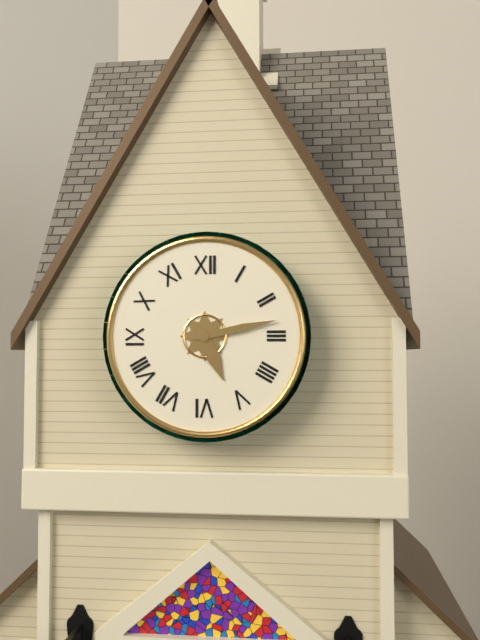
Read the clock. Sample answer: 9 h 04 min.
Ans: 5 h 13 min
